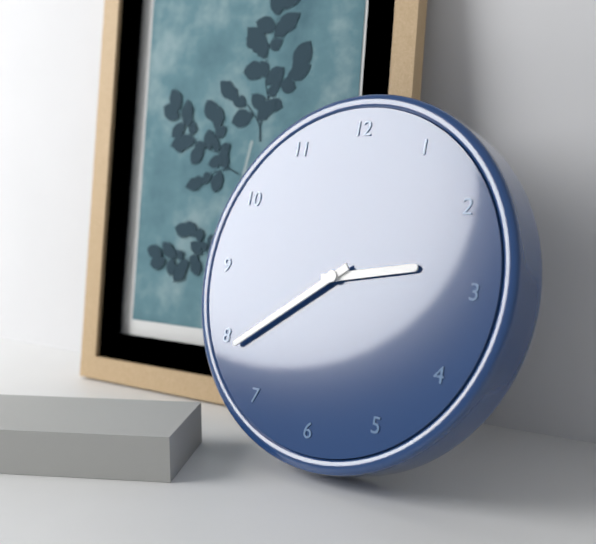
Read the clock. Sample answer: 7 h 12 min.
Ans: 2 h 39 min
